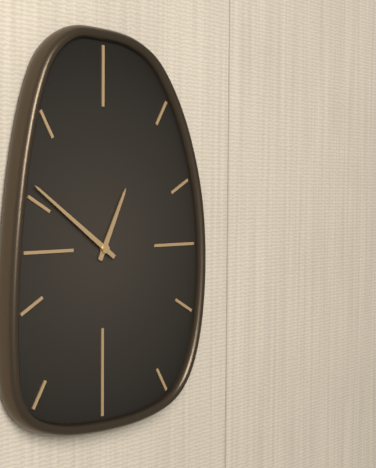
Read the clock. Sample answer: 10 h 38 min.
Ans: 12 h 51 min
